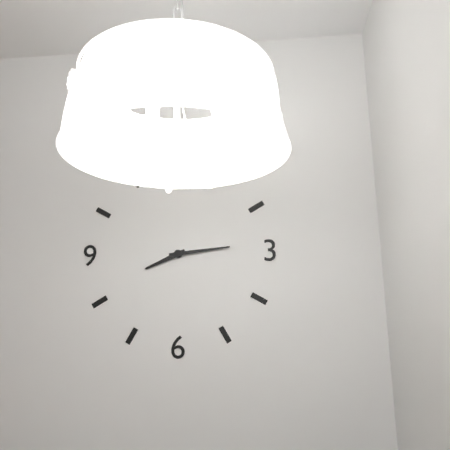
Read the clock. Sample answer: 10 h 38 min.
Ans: 8 h 14 min
